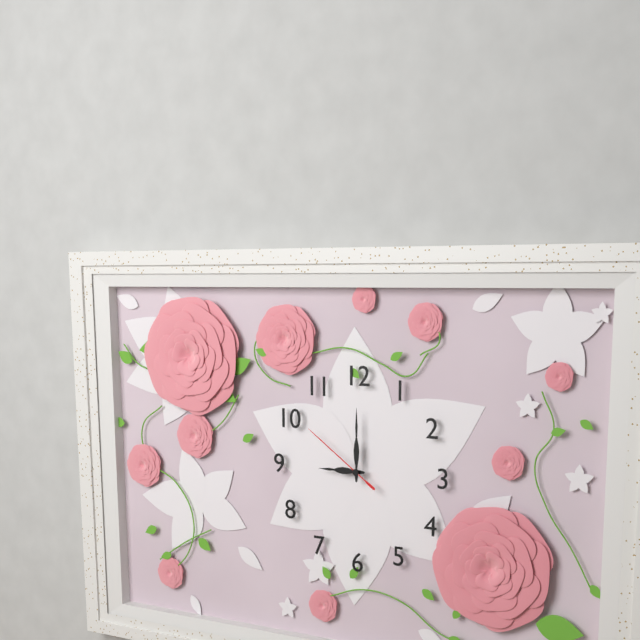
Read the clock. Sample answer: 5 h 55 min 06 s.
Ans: 9 h 00 min 51 s
